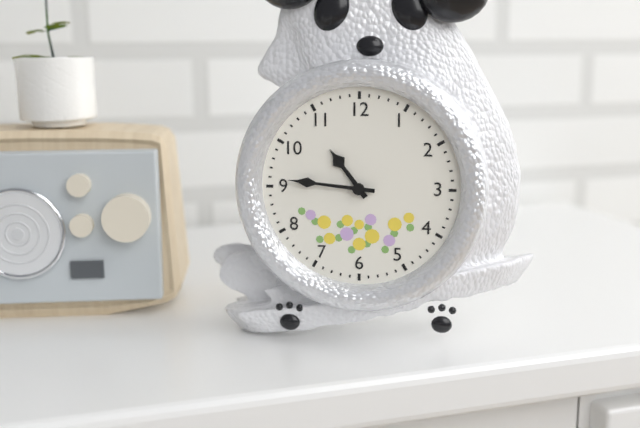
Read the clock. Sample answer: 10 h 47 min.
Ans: 10 h 46 min
